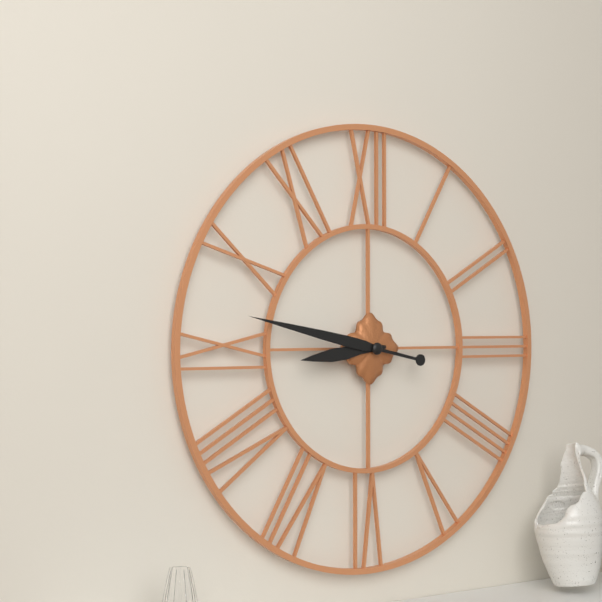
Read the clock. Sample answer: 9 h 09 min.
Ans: 8 h 47 min
